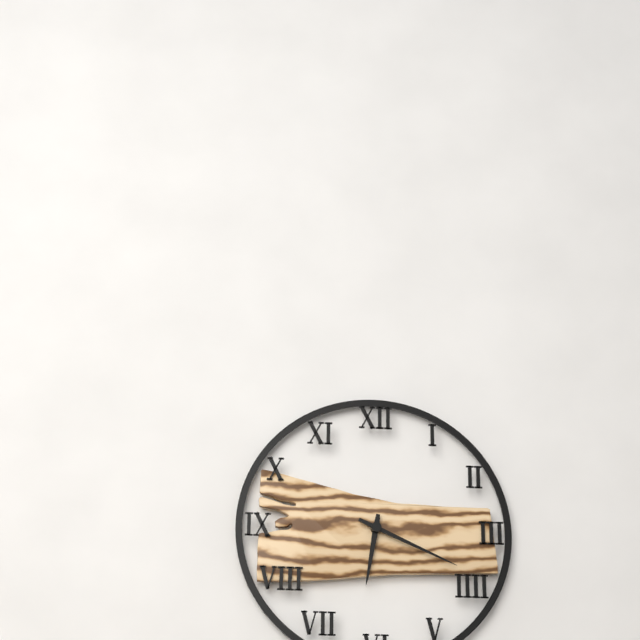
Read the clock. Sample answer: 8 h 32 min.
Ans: 6 h 19 min
